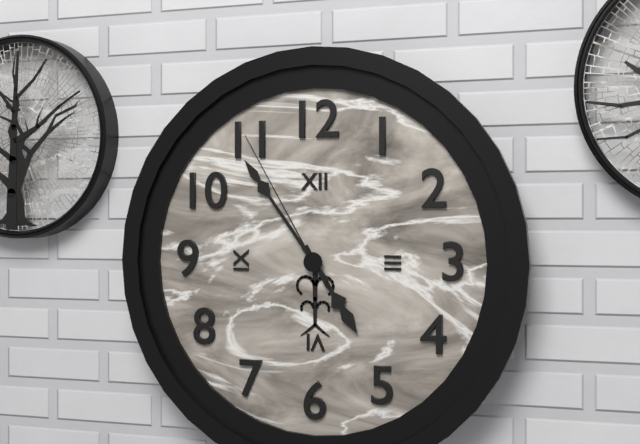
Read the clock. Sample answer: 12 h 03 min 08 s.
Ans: 4 h 54 min 55 s
